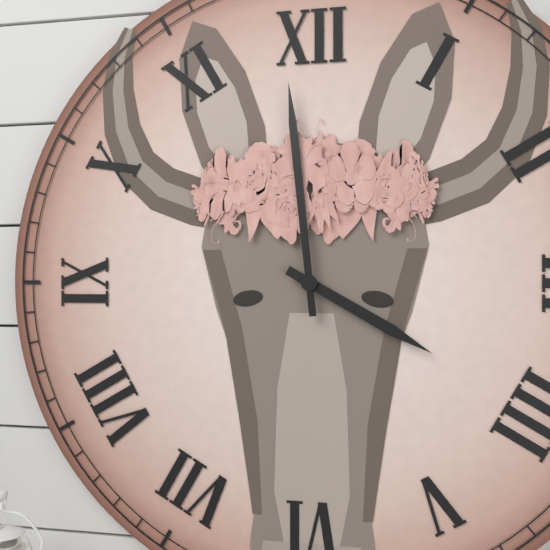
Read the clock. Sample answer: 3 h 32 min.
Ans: 3 h 59 min
